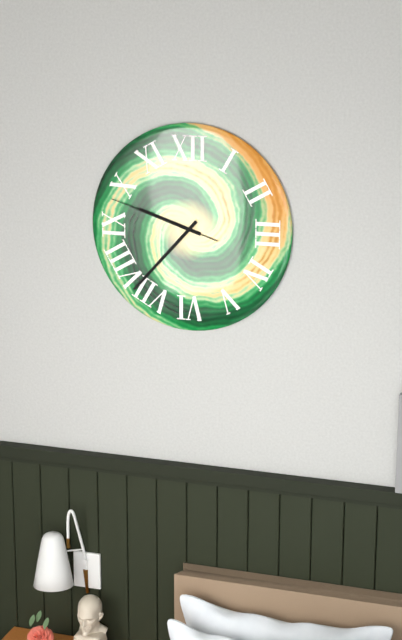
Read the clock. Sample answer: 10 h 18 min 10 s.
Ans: 9 h 37 min 48 s
